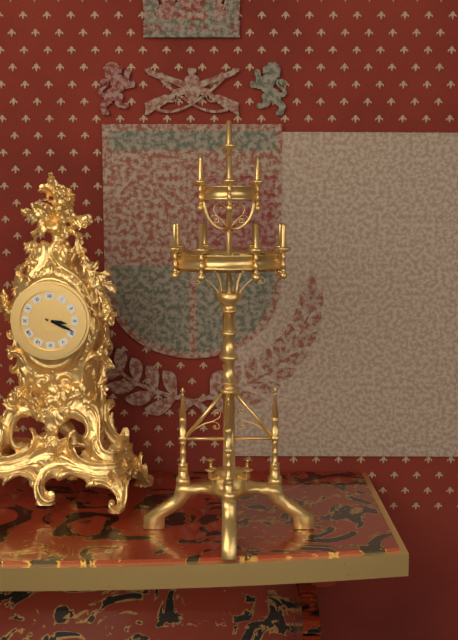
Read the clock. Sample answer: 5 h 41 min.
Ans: 3 h 19 min
